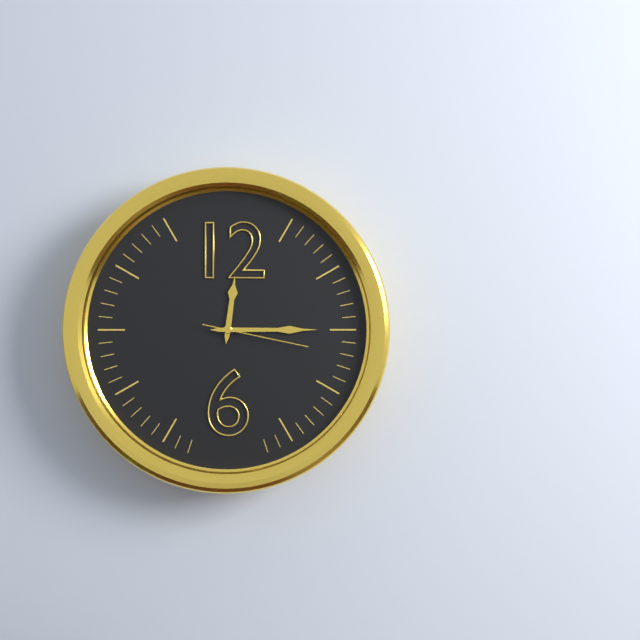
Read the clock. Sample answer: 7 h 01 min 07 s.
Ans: 12 h 15 min 17 s
